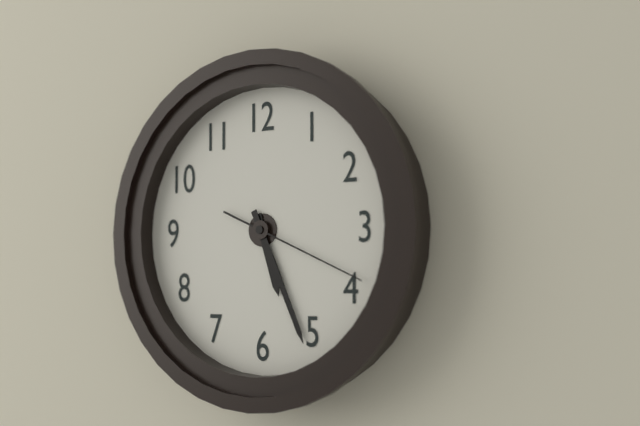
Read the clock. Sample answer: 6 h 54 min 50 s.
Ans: 5 h 26 min 19 s
